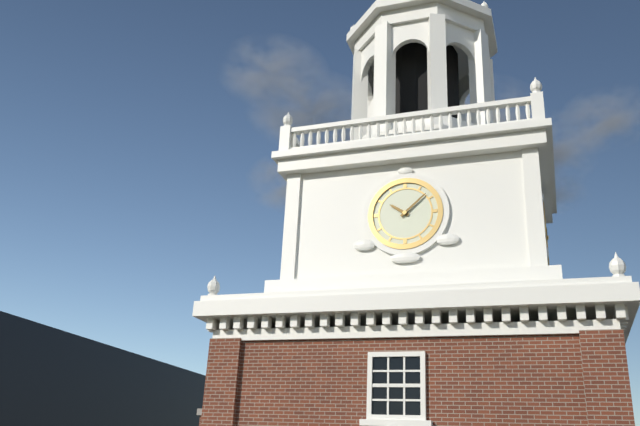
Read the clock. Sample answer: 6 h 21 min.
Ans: 10 h 08 min
